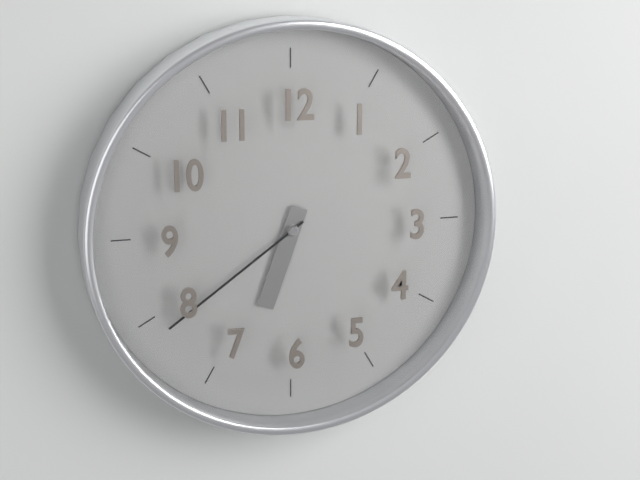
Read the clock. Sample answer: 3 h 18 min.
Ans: 6 h 39 min
